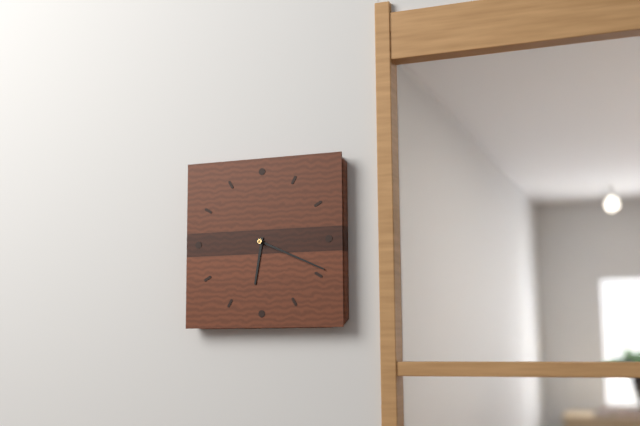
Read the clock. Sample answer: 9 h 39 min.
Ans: 6 h 19 min
